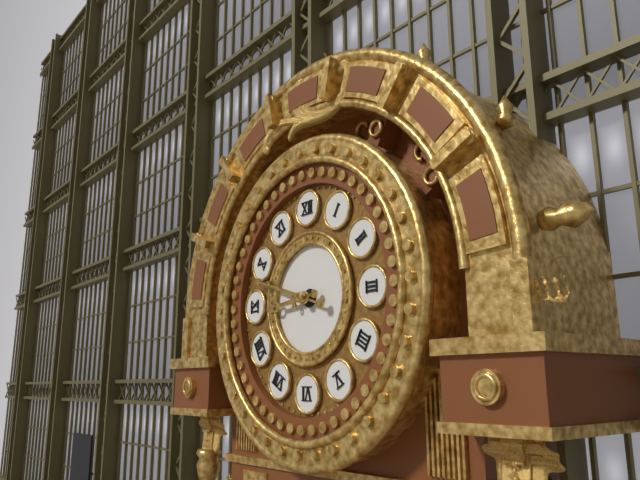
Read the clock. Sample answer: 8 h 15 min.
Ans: 8 h 48 min
